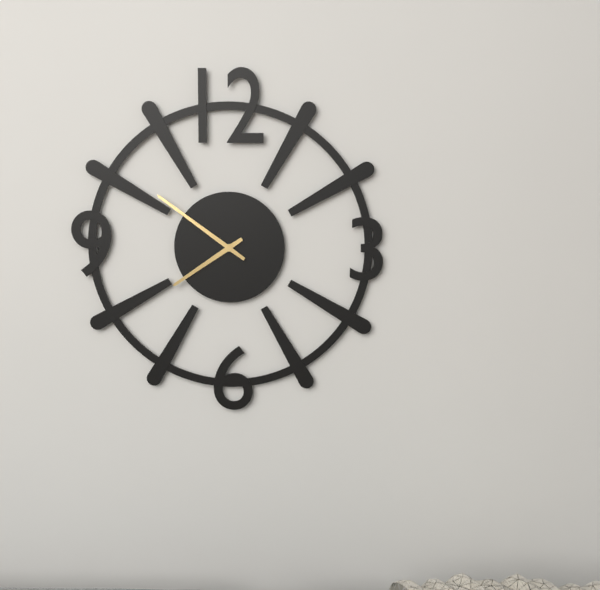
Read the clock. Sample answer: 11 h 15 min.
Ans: 7 h 51 min
